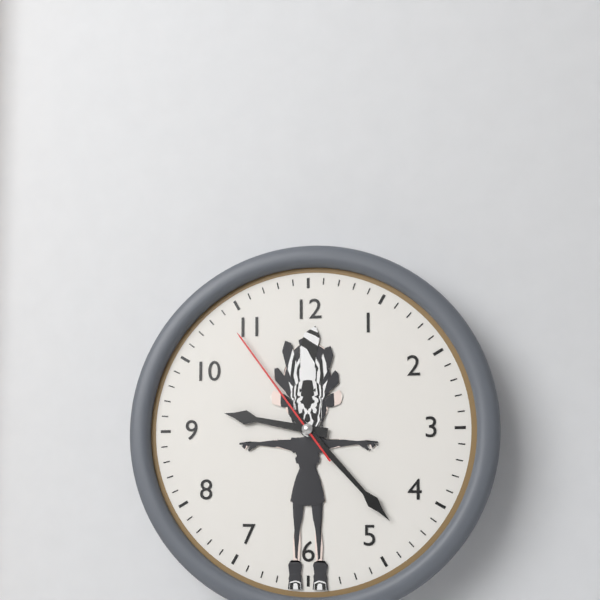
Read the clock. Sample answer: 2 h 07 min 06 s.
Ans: 9 h 23 min 54 s
